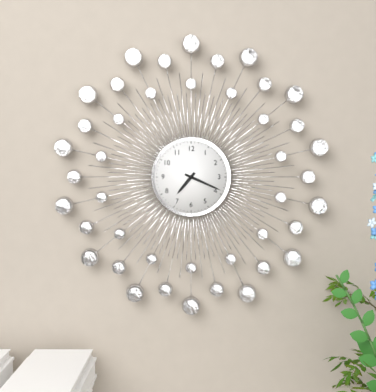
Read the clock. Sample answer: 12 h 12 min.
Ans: 7 h 19 min
